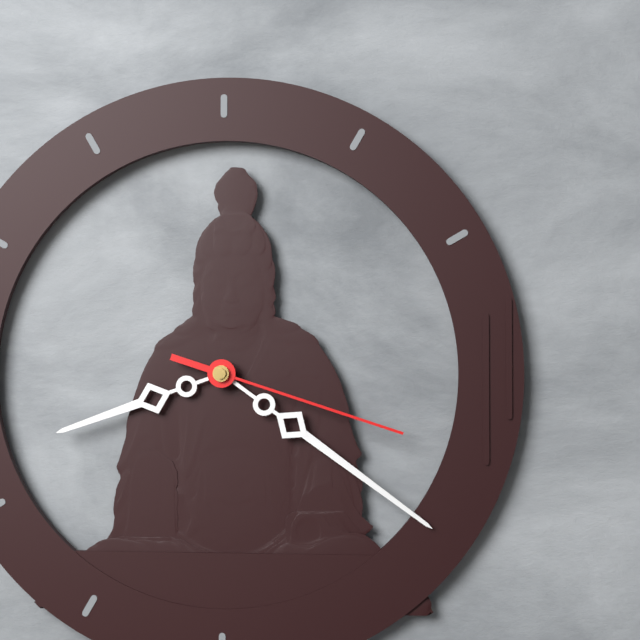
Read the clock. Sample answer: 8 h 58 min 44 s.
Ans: 8 h 21 min 18 s
